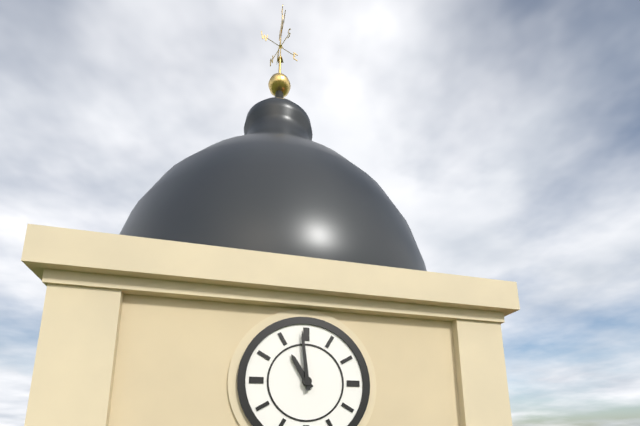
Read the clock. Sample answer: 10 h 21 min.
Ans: 10 h 59 min
